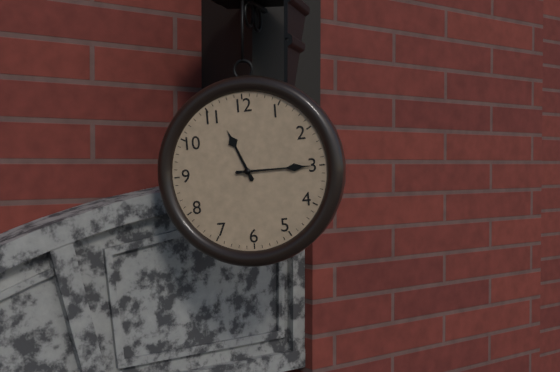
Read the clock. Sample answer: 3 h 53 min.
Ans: 11 h 15 min
